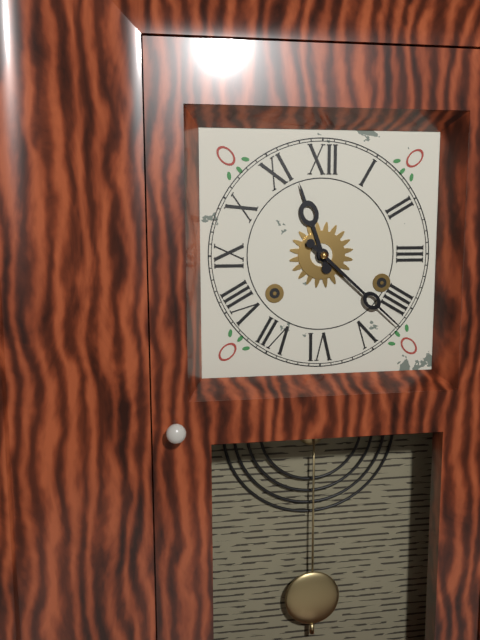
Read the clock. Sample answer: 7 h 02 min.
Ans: 11 h 22 min
